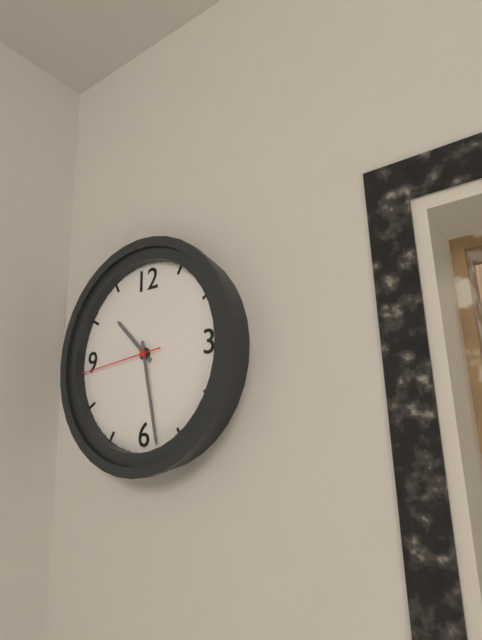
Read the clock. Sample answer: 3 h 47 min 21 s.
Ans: 10 h 28 min 44 s
